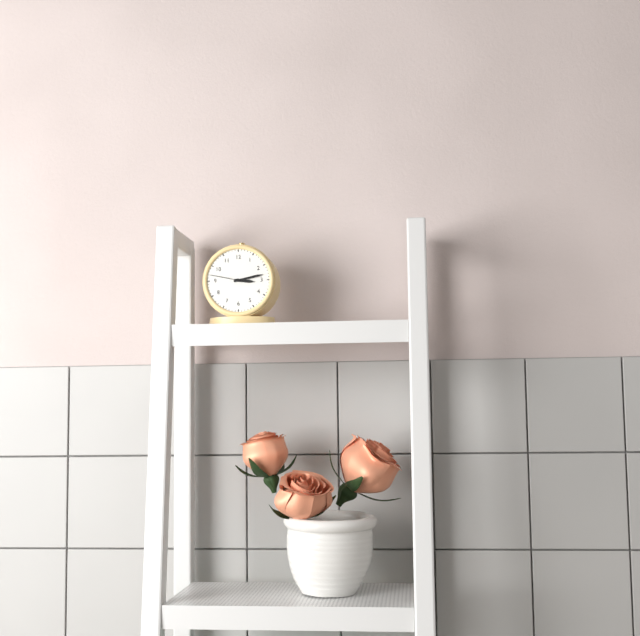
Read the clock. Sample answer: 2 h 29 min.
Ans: 3 h 13 min
